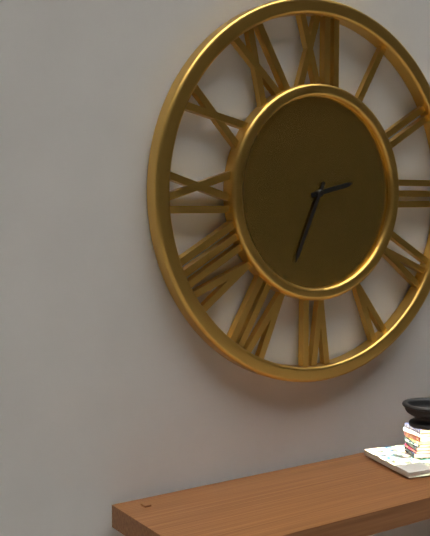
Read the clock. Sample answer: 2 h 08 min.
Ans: 2 h 34 min
